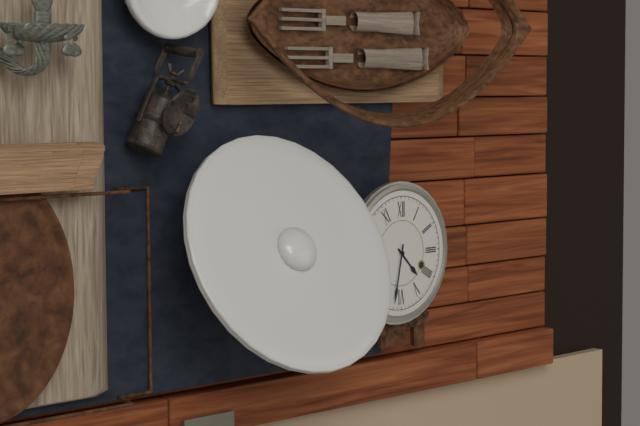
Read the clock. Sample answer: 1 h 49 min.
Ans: 4 h 32 min
